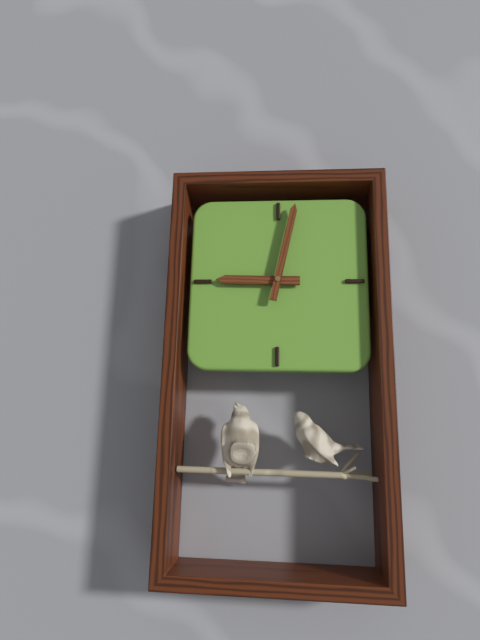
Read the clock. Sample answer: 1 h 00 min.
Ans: 9 h 02 min
